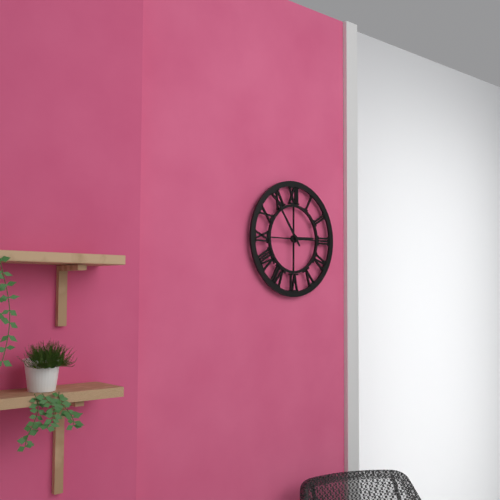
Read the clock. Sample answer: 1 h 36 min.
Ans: 2 h 54 min
